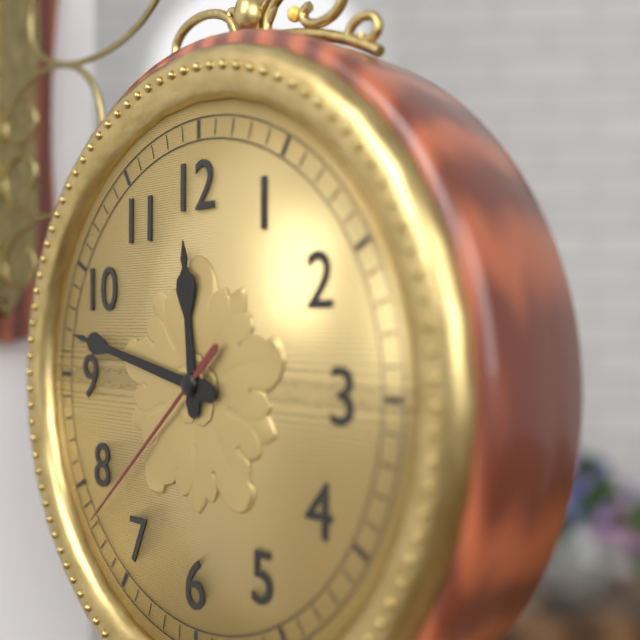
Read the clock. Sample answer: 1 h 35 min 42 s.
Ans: 11 h 47 min 38 s
